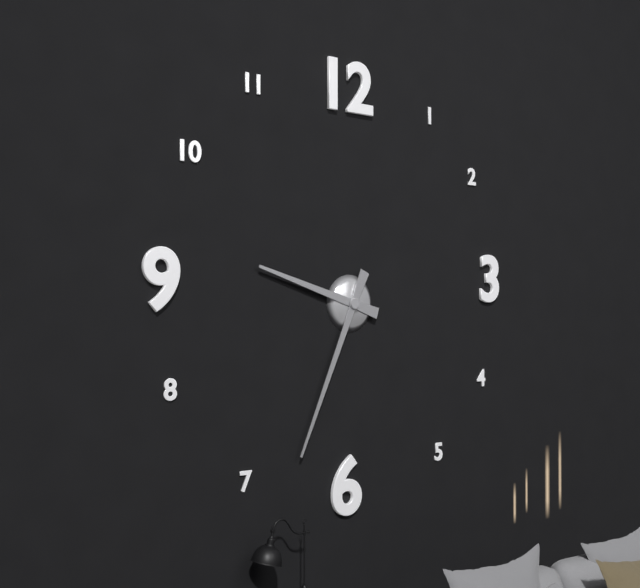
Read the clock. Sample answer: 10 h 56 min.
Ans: 9 h 34 min
